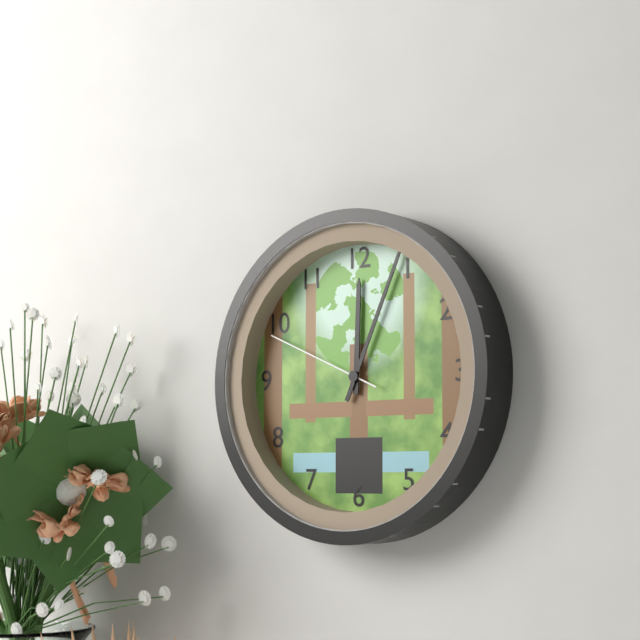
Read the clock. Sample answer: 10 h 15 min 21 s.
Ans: 12 h 04 min 49 s
